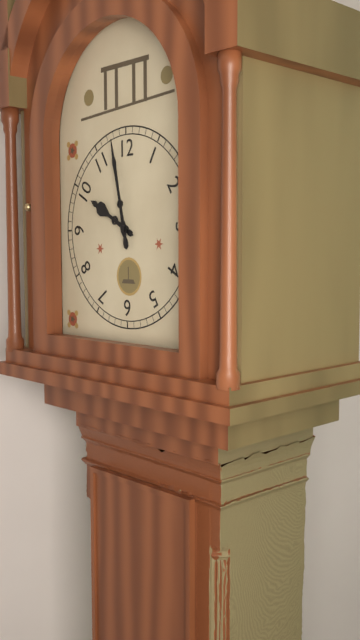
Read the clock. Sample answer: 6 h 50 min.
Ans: 9 h 58 min
